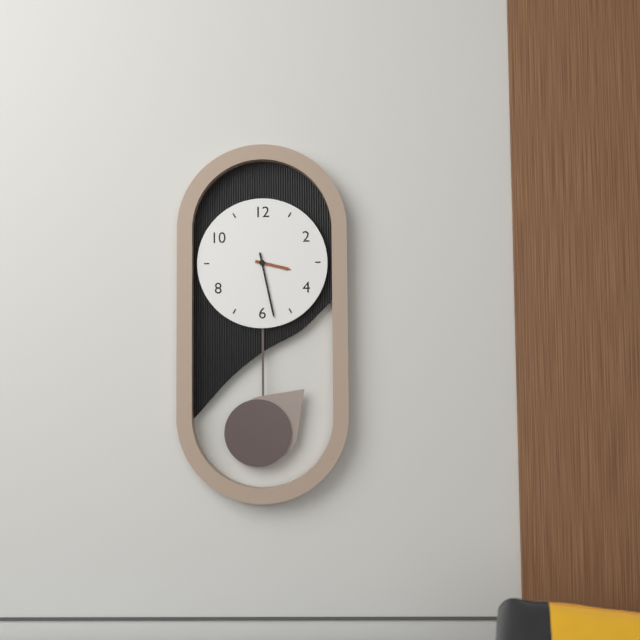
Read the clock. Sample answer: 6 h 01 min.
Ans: 3 h 28 min
